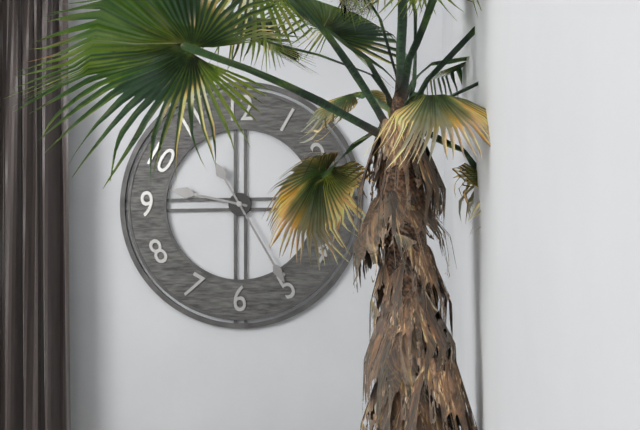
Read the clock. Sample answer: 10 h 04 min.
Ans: 9 h 25 min
